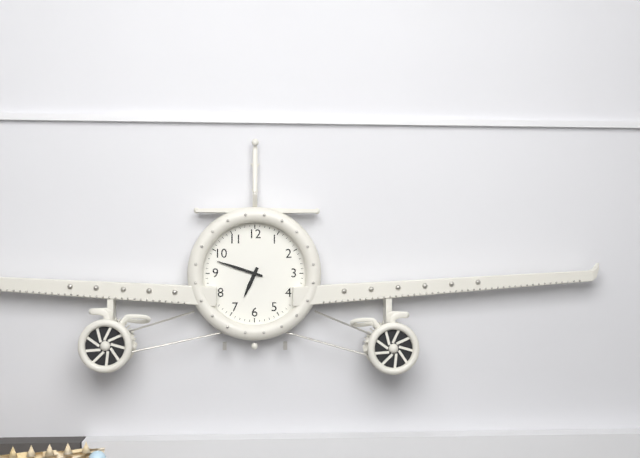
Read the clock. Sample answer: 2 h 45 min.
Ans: 6 h 48 min
